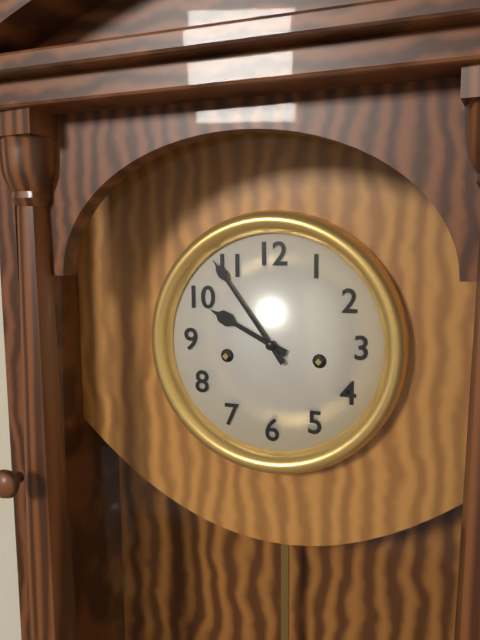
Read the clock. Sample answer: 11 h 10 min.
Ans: 9 h 54 min
